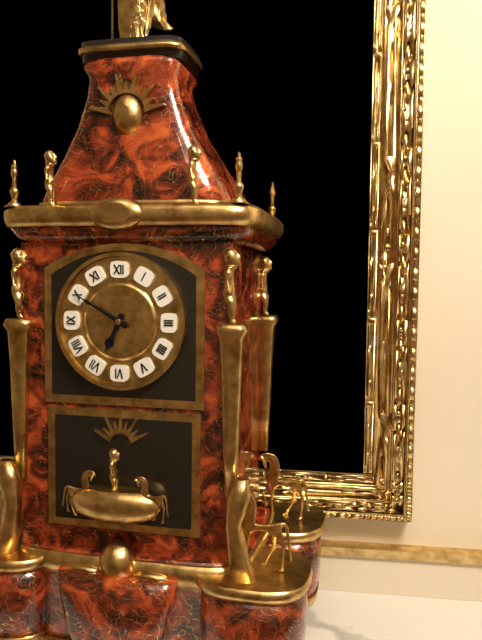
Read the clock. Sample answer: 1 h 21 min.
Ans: 6 h 50 min
